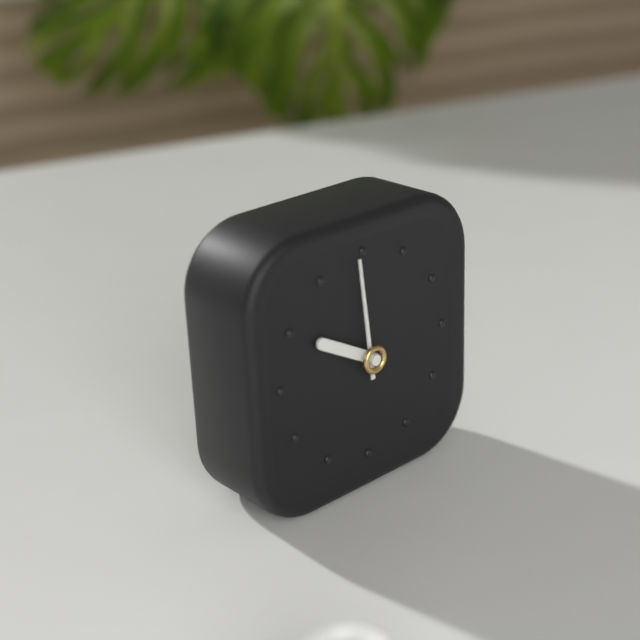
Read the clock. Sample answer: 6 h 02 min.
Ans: 9 h 59 min
